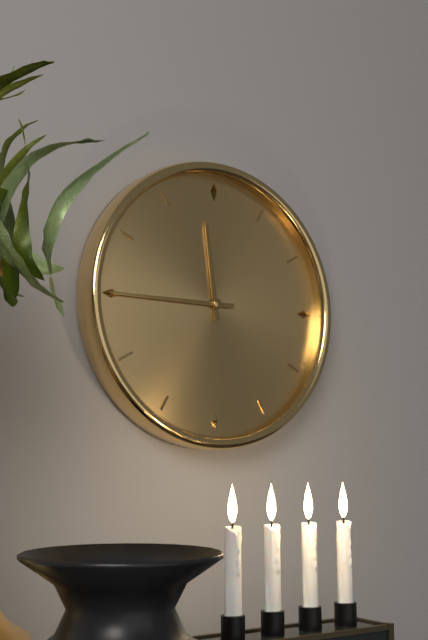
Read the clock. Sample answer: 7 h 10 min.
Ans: 11 h 45 min
